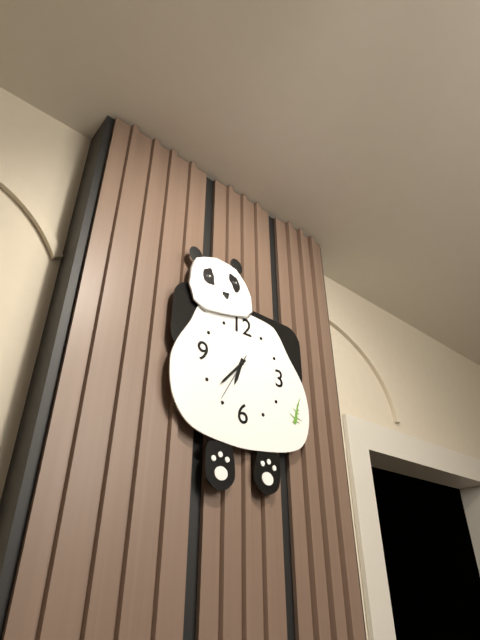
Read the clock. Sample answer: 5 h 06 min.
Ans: 6 h 37 min
